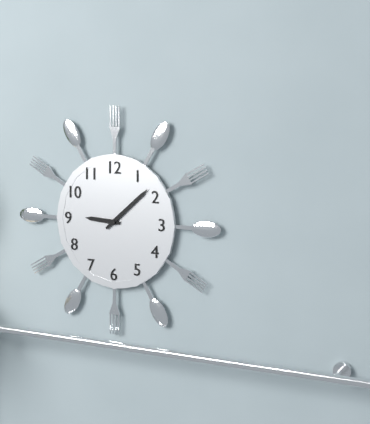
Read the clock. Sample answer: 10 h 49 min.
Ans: 9 h 08 min
